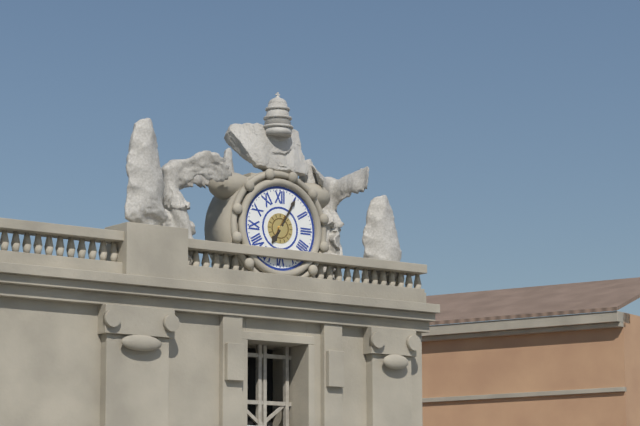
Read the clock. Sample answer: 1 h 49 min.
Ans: 7 h 05 min
